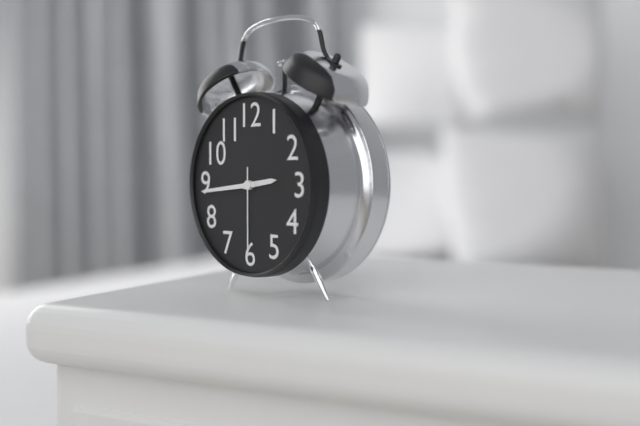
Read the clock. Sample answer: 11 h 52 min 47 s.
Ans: 2 h 44 min 30 s
